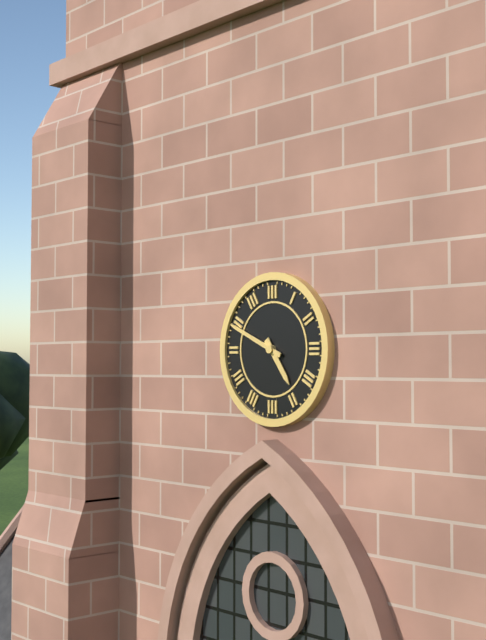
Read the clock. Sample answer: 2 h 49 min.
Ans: 4 h 49 min
